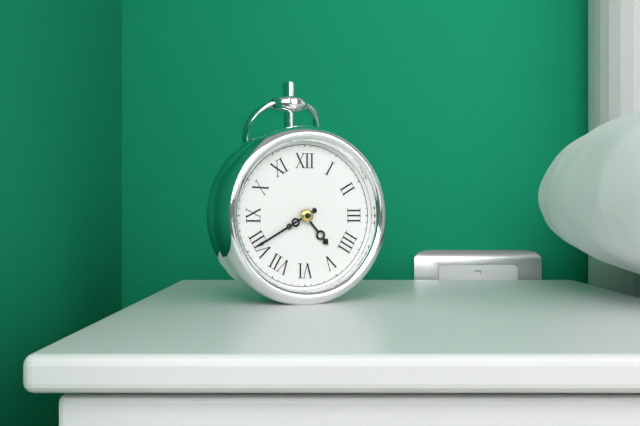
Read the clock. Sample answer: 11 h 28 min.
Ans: 4 h 40 min
